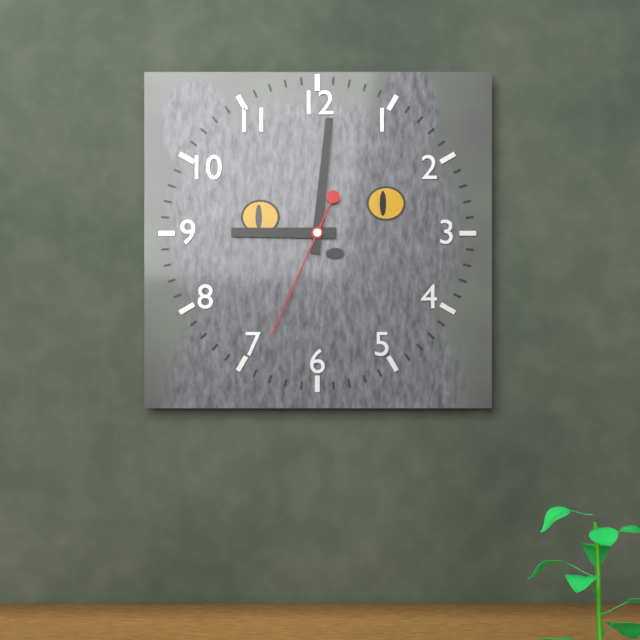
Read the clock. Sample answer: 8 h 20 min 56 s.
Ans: 9 h 01 min 34 s
